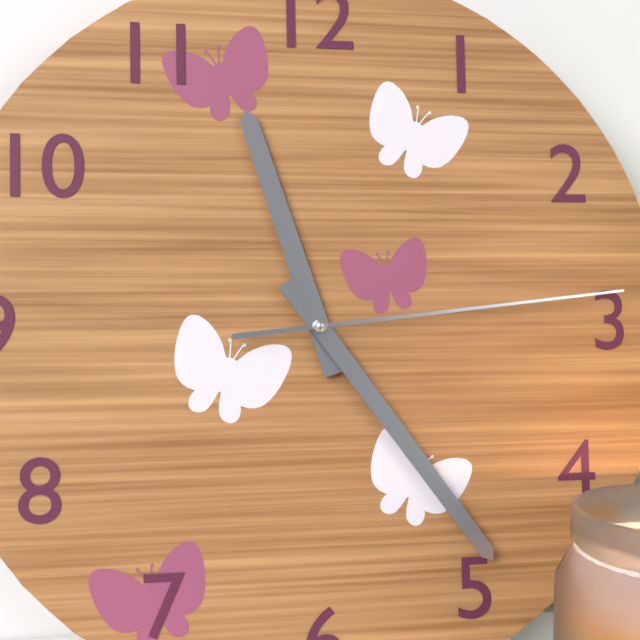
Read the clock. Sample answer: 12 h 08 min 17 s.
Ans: 11 h 24 min 14 s
